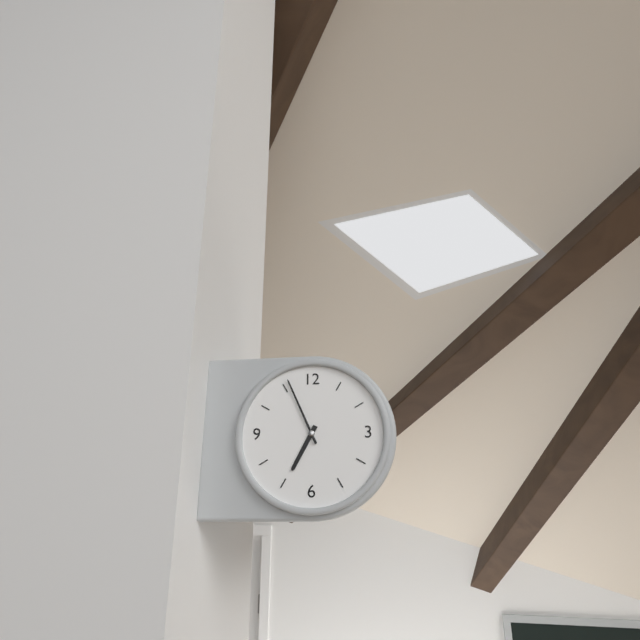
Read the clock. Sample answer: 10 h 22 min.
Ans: 6 h 56 min
